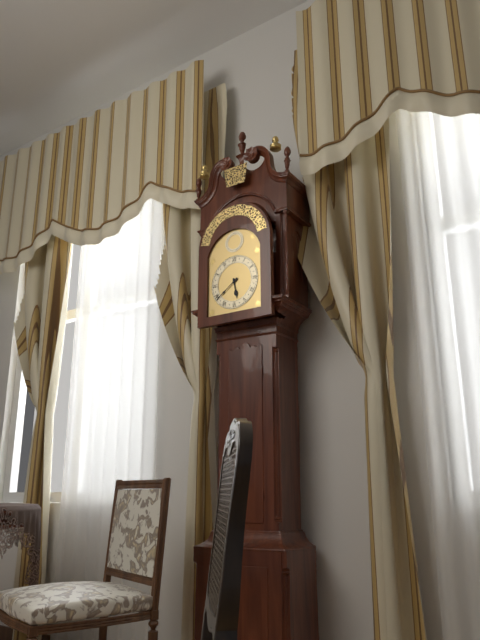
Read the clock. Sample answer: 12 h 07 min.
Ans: 5 h 39 min
